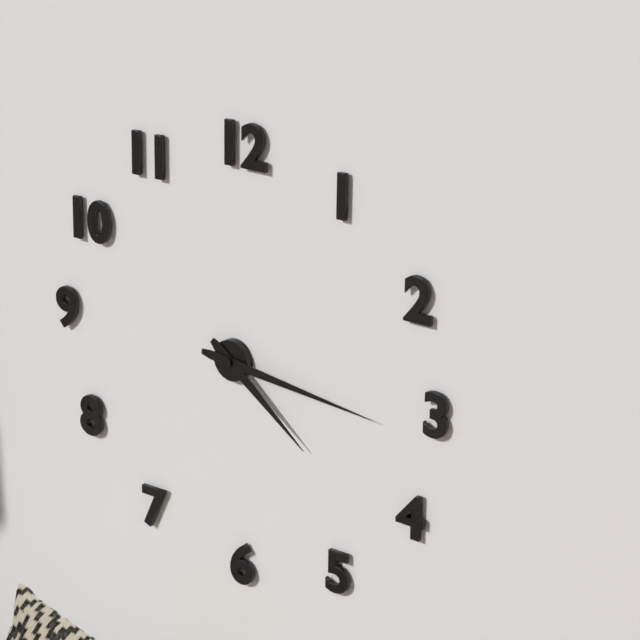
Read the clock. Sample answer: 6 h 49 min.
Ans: 4 h 16 min
